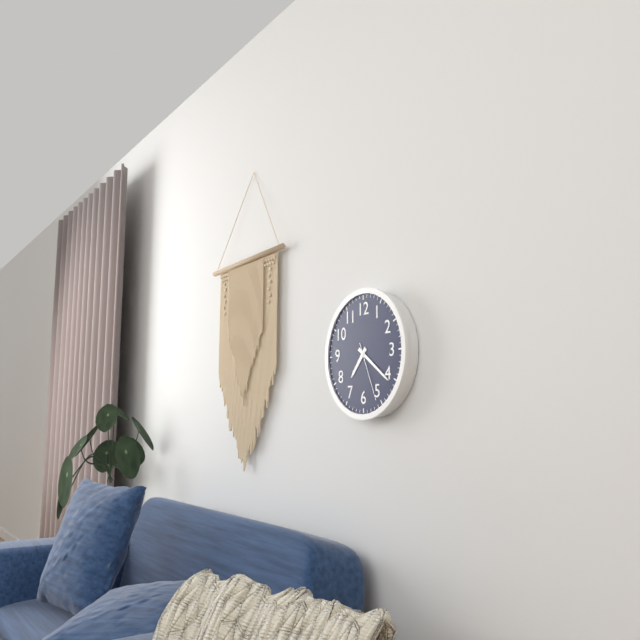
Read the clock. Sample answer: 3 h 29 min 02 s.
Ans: 7 h 21 min 26 s
